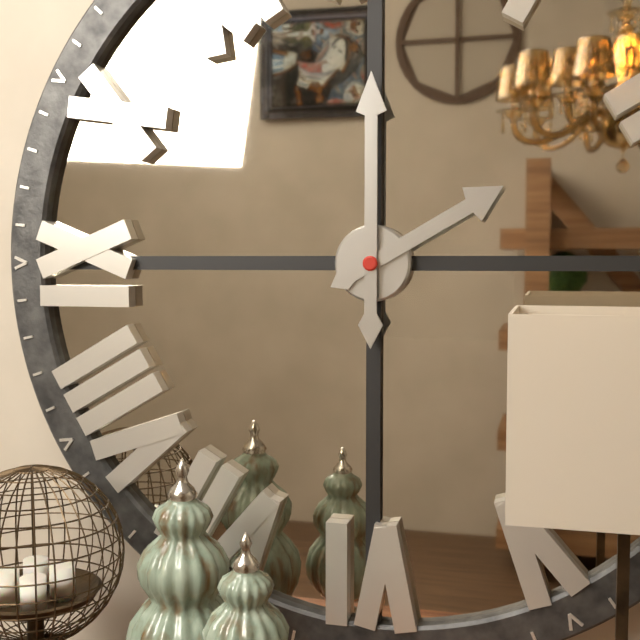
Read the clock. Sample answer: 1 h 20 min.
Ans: 2 h 00 min
